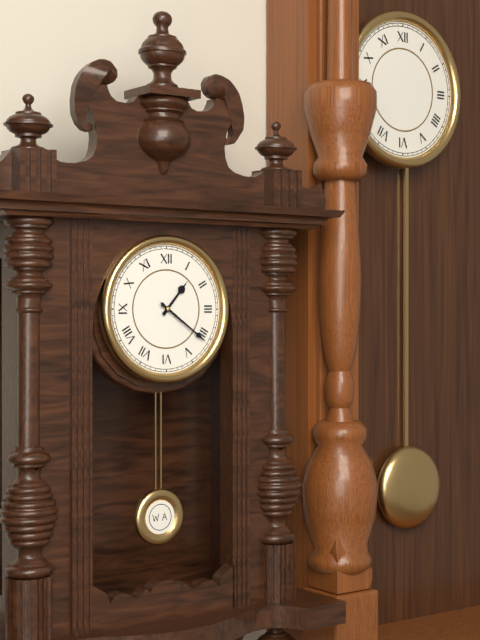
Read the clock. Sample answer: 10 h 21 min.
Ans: 1 h 21 min
